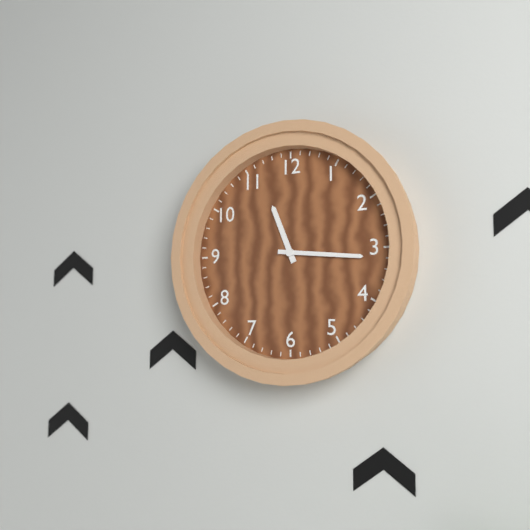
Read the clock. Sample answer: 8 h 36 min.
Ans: 11 h 16 min
